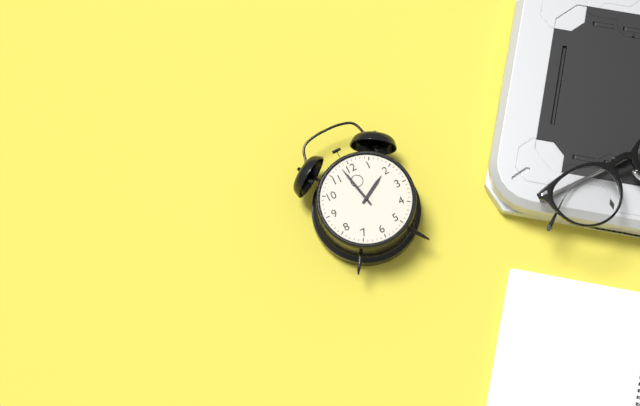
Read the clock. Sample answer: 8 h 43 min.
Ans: 1 h 58 min
